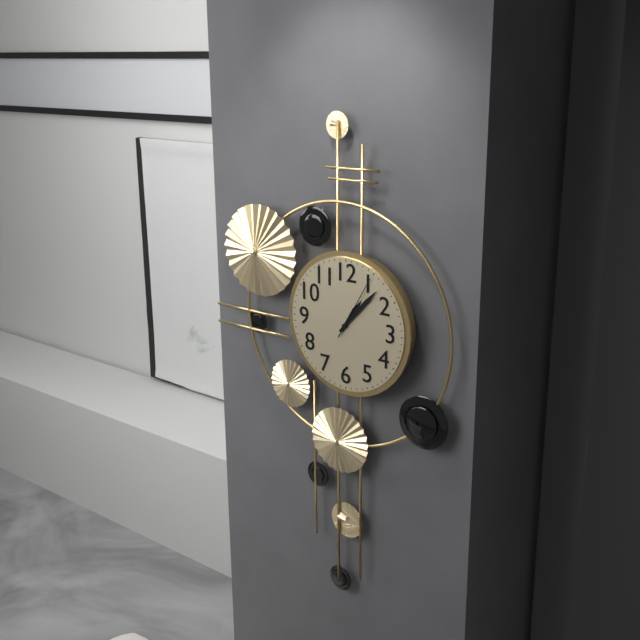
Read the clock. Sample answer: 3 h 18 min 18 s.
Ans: 1 h 07 min 05 s
